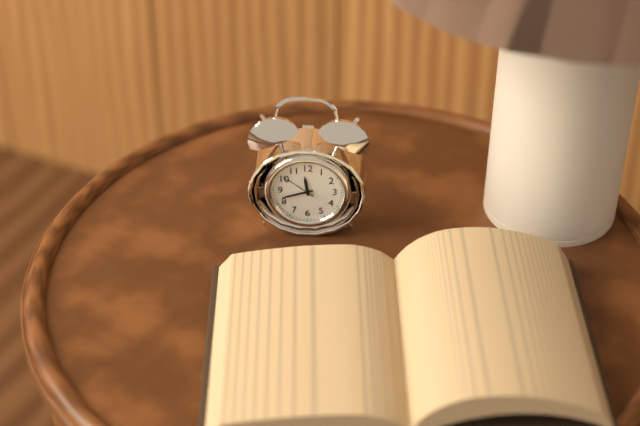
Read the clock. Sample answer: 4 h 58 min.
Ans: 11 h 42 min
